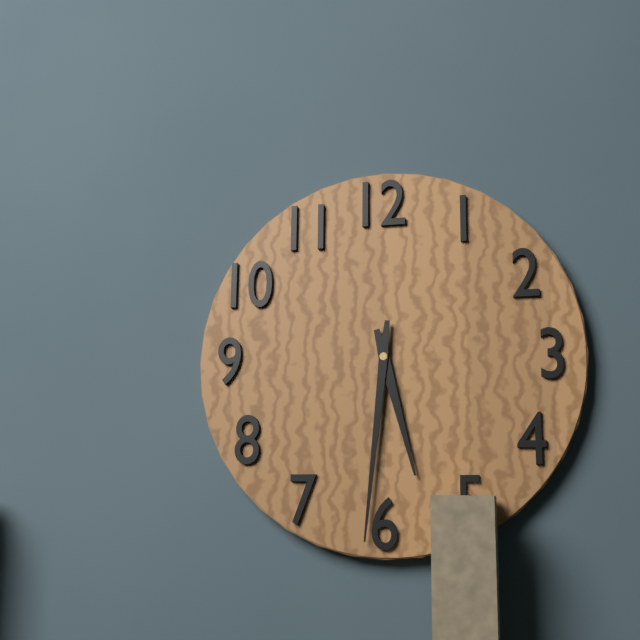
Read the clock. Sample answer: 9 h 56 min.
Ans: 5 h 31 min
